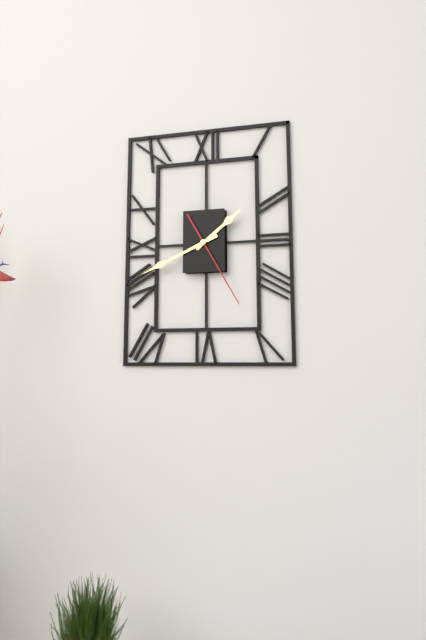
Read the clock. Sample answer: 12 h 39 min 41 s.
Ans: 1 h 41 min 25 s
